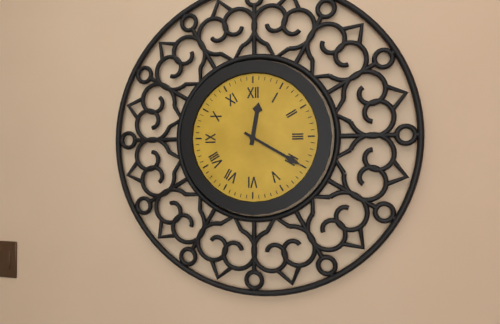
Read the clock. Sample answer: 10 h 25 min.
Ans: 12 h 20 min
